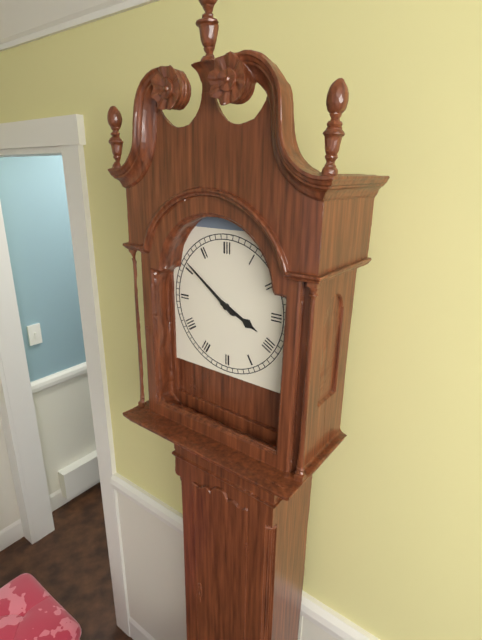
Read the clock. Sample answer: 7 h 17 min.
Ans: 3 h 51 min
